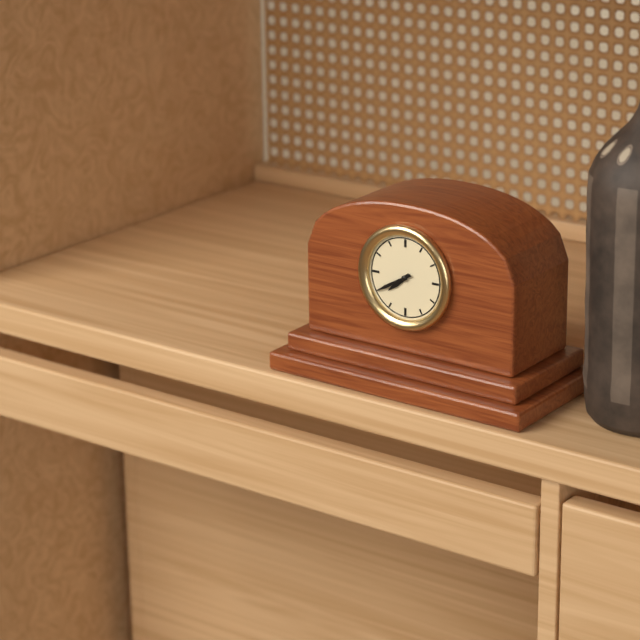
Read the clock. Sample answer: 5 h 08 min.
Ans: 7 h 40 min
